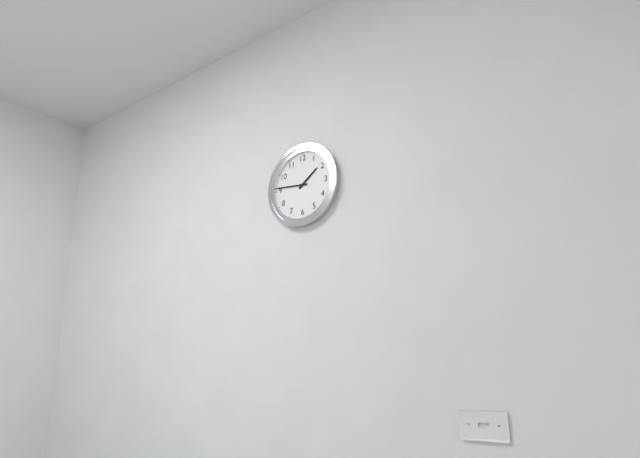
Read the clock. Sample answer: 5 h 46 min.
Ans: 1 h 46 min
